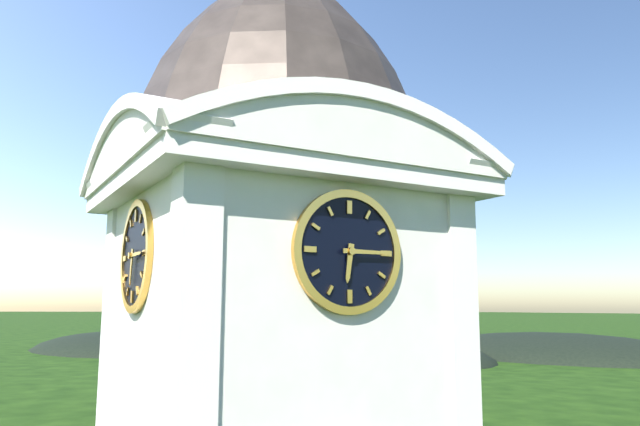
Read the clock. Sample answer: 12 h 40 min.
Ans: 6 h 15 min
